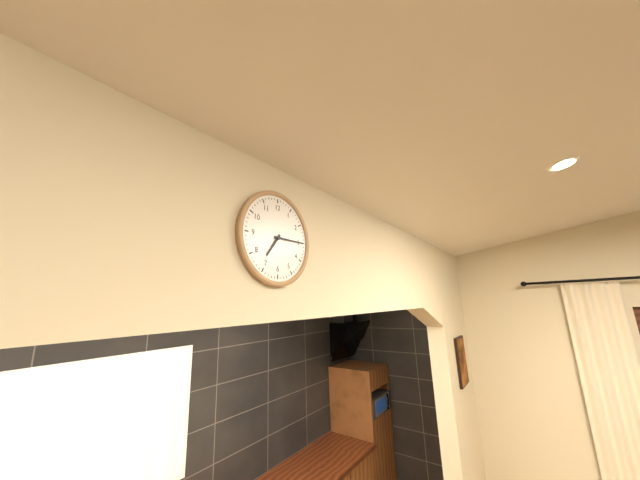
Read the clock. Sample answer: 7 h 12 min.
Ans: 7 h 15 min
